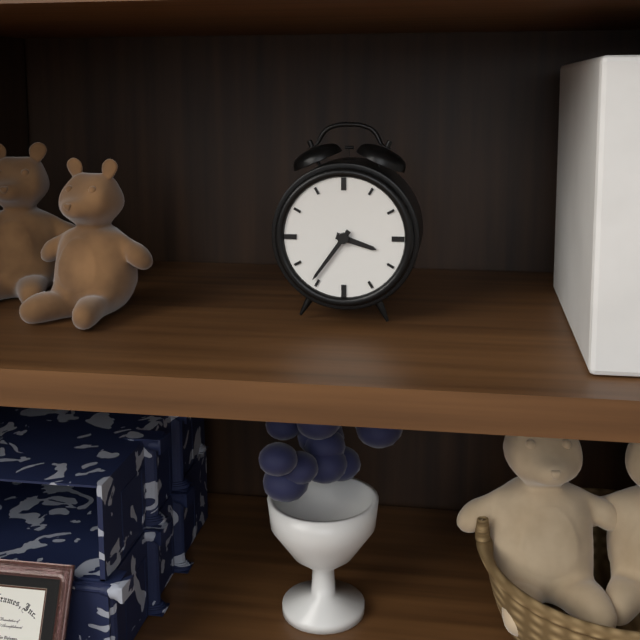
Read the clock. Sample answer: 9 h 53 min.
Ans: 3 h 36 min
